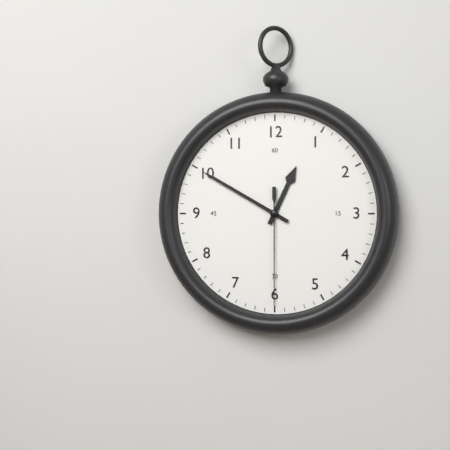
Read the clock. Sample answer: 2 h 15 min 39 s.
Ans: 12 h 50 min 30 s
